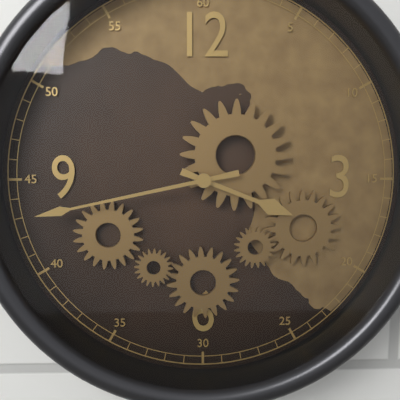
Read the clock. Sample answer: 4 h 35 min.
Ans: 3 h 43 min
